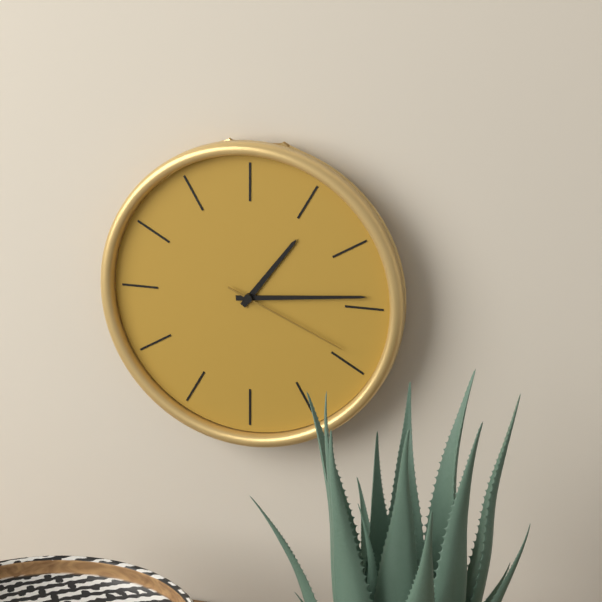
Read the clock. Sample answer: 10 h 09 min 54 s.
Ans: 1 h 14 min 19 s
